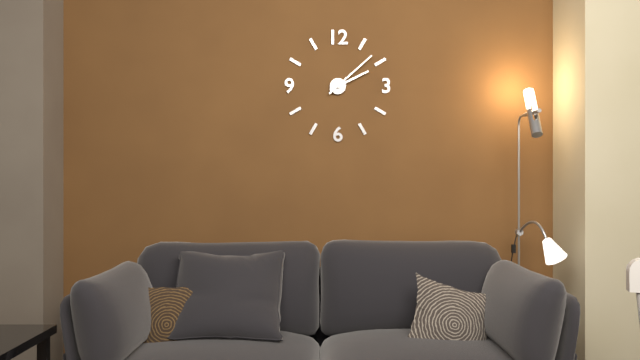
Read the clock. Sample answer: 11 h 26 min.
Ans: 2 h 08 min
